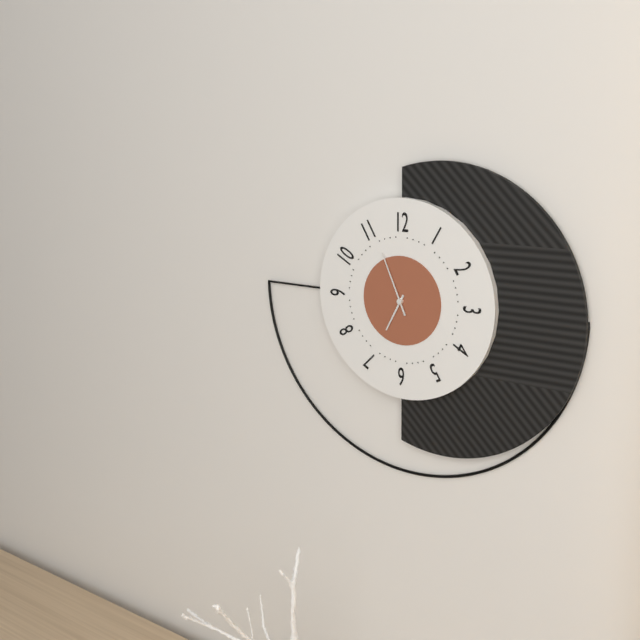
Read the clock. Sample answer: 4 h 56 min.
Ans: 6 h 56 min
